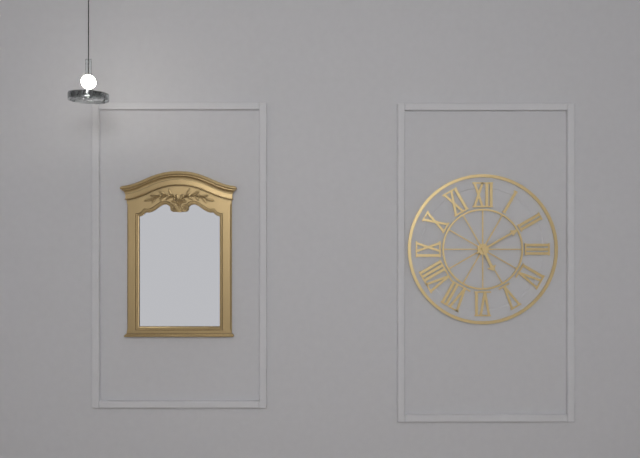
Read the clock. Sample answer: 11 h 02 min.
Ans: 5 h 10 min
